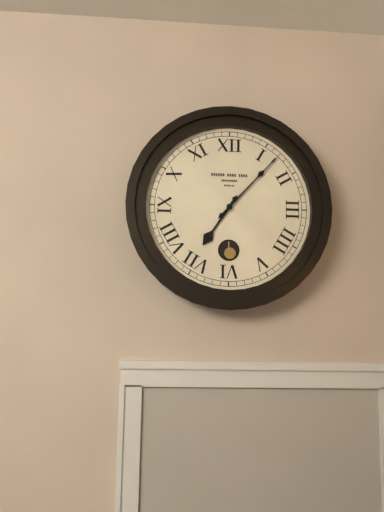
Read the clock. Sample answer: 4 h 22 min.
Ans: 7 h 07 min
